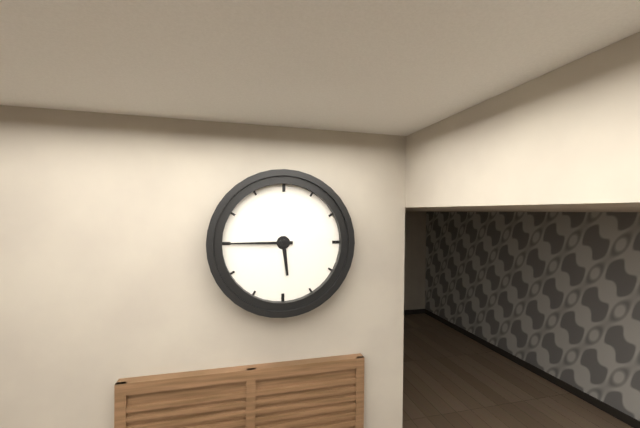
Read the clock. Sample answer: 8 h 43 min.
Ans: 5 h 45 min
